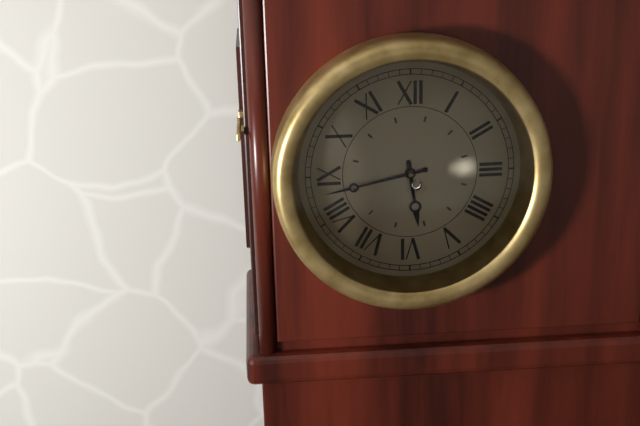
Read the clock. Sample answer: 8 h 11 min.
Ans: 5 h 43 min
